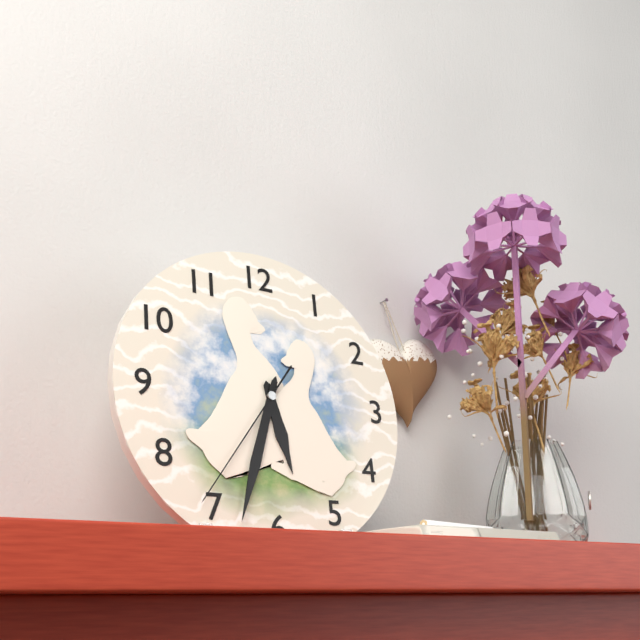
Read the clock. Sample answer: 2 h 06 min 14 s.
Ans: 5 h 33 min 36 s
